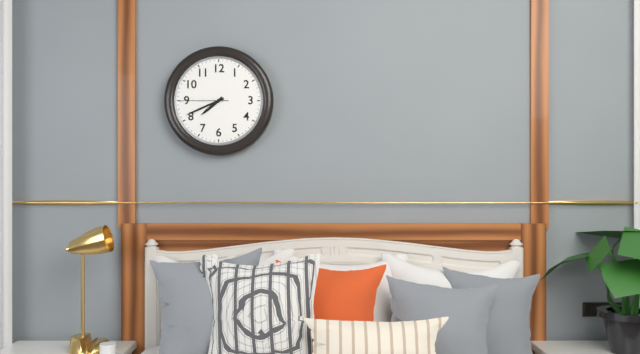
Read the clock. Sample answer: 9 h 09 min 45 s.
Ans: 7 h 41 min 45 s
